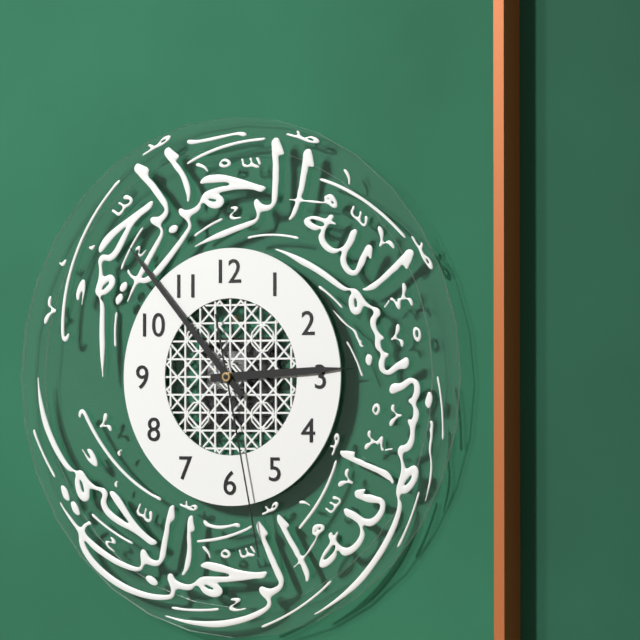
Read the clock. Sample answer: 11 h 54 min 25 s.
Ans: 2 h 53 min 28 s
